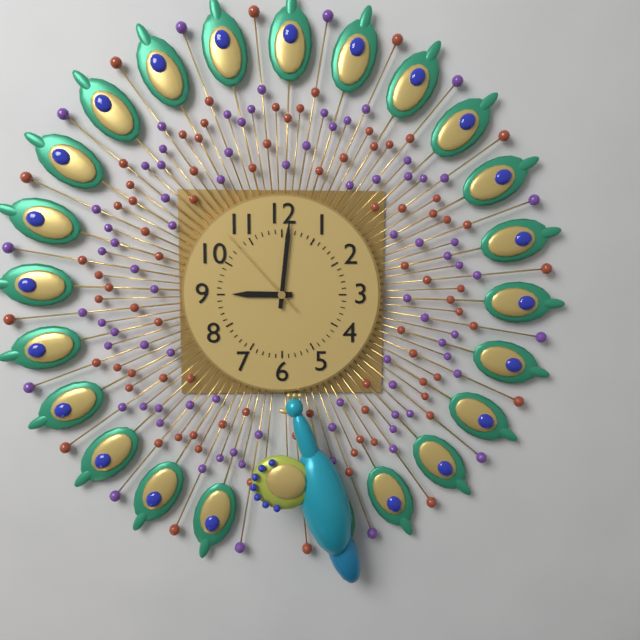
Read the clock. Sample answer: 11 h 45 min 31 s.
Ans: 9 h 01 min 53 s
